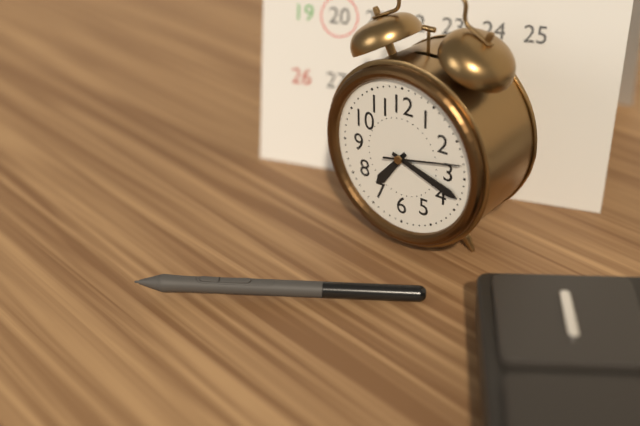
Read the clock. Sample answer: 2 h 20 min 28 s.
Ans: 7 h 18 min 13 s
